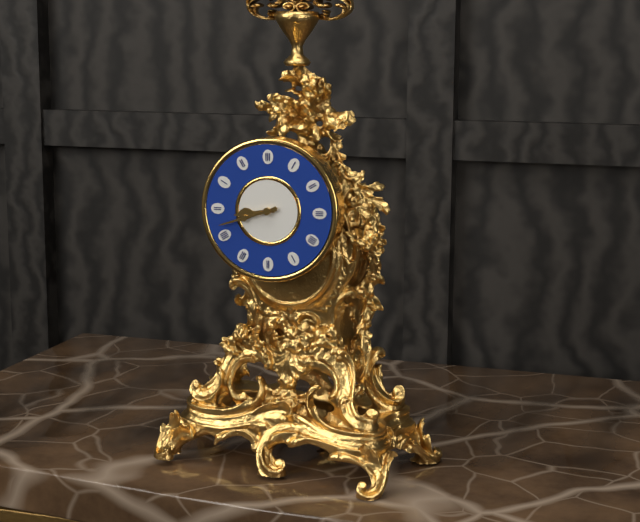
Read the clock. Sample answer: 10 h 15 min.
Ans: 8 h 42 min
